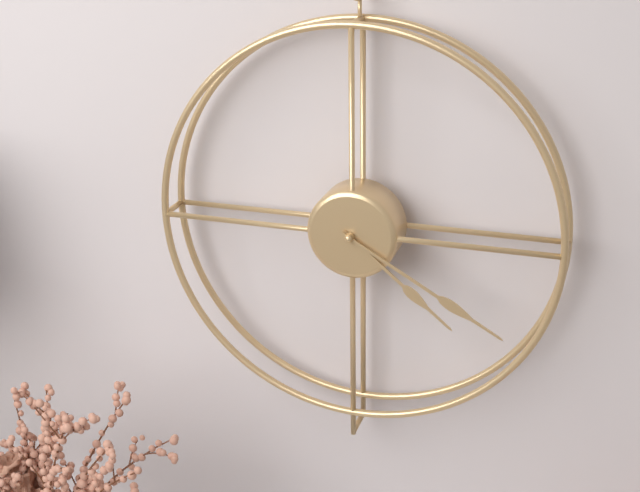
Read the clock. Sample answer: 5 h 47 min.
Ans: 4 h 20 min
